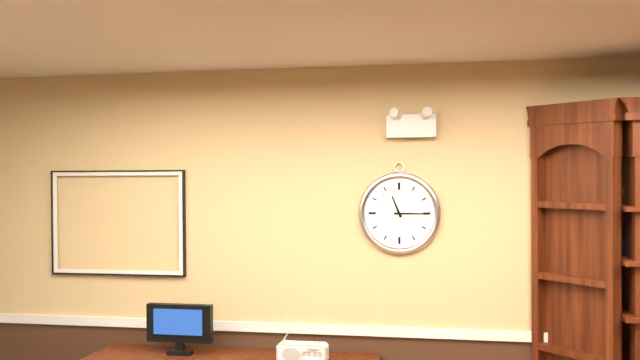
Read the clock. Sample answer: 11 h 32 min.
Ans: 11 h 15 min
